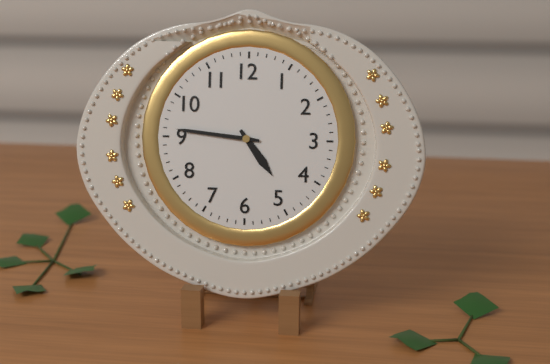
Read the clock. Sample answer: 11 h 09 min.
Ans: 4 h 46 min
